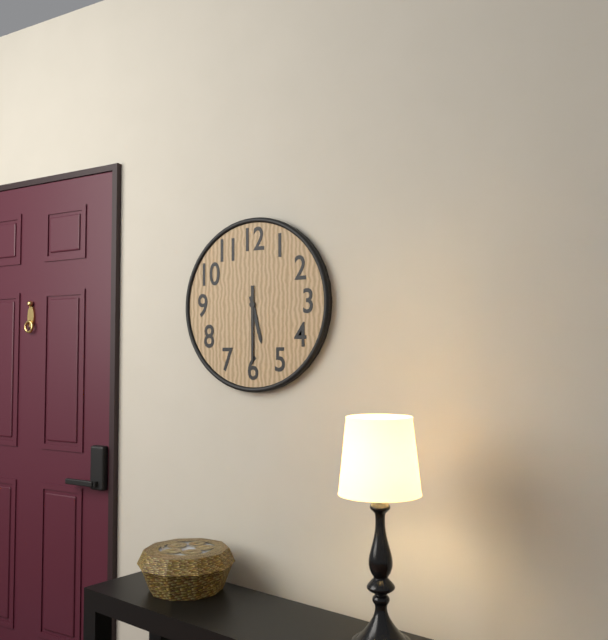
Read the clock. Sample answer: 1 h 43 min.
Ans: 5 h 30 min
